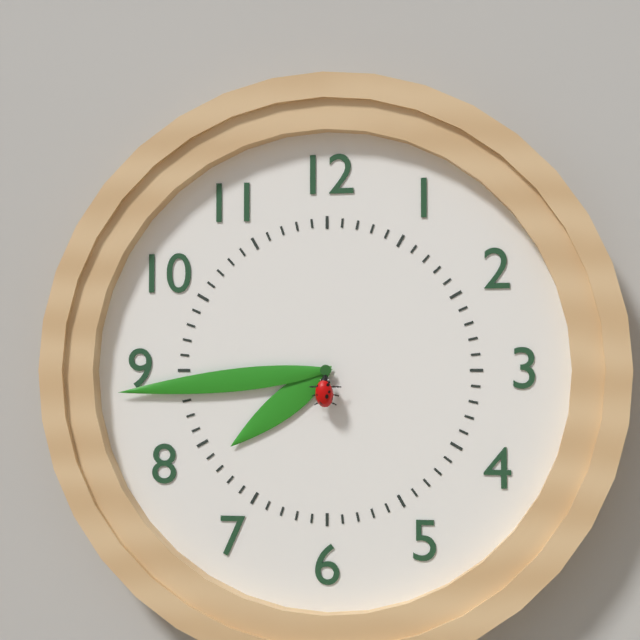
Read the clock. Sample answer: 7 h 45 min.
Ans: 7 h 44 min
